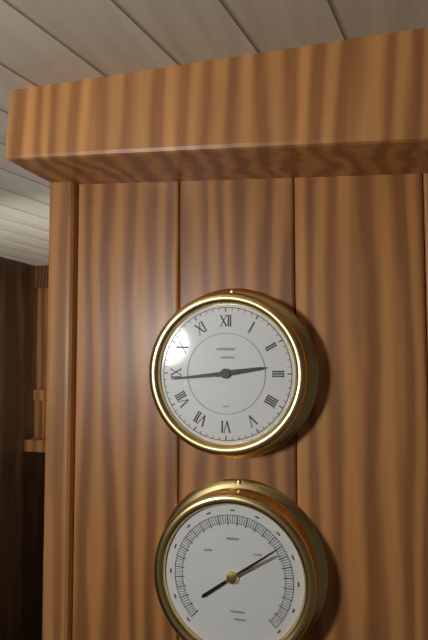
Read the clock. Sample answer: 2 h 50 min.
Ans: 2 h 44 min
